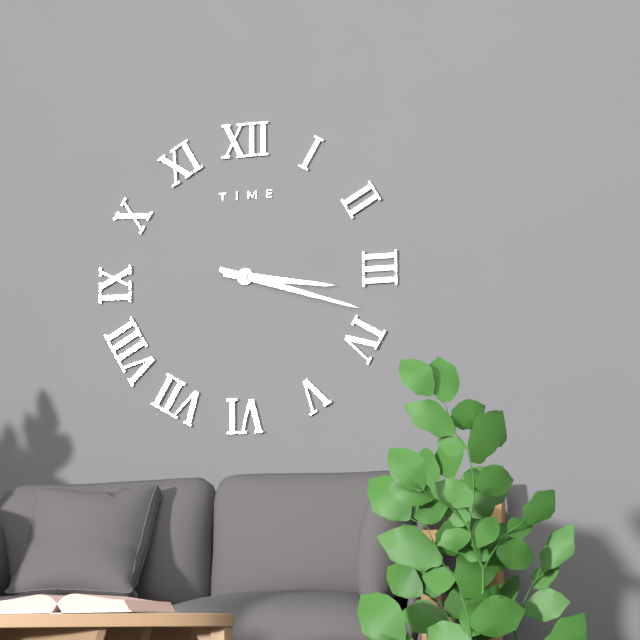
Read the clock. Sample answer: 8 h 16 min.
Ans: 3 h 18 min
